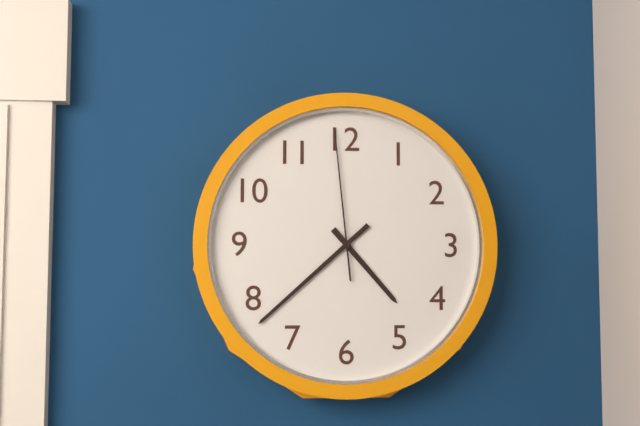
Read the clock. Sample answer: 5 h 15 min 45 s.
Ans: 4 h 38 min 59 s
